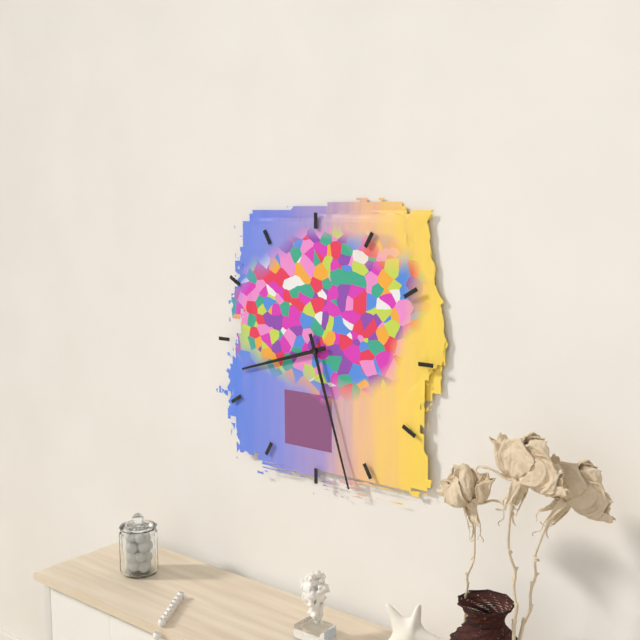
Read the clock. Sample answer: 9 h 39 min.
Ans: 8 h 27 min
